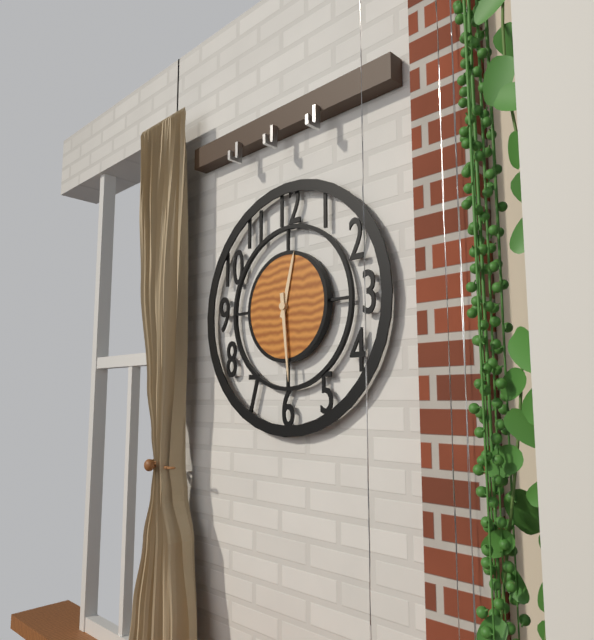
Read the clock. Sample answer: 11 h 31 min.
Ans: 12 h 29 min
